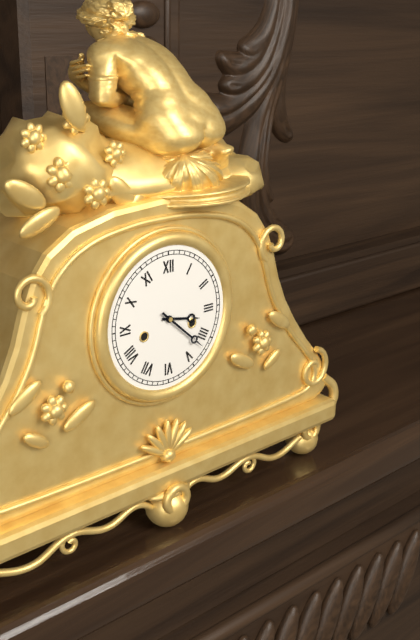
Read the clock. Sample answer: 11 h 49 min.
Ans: 3 h 22 min
